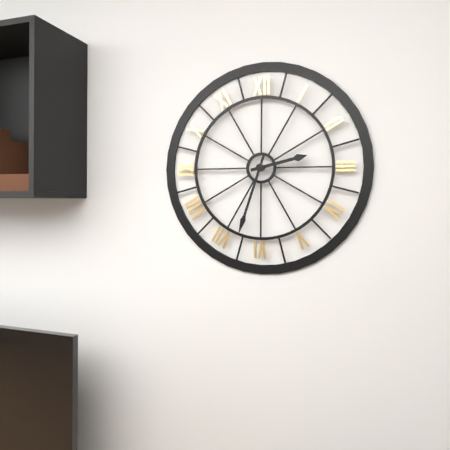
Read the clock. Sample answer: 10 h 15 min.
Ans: 2 h 33 min
